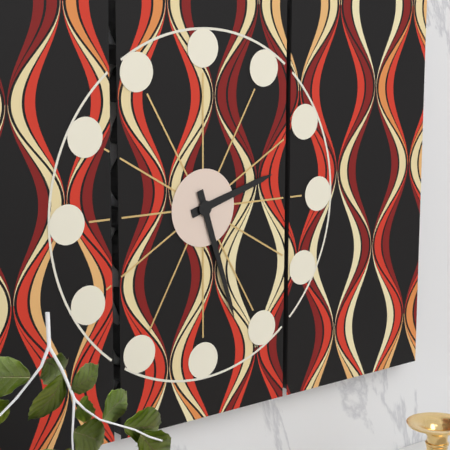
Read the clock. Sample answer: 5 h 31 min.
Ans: 2 h 27 min
